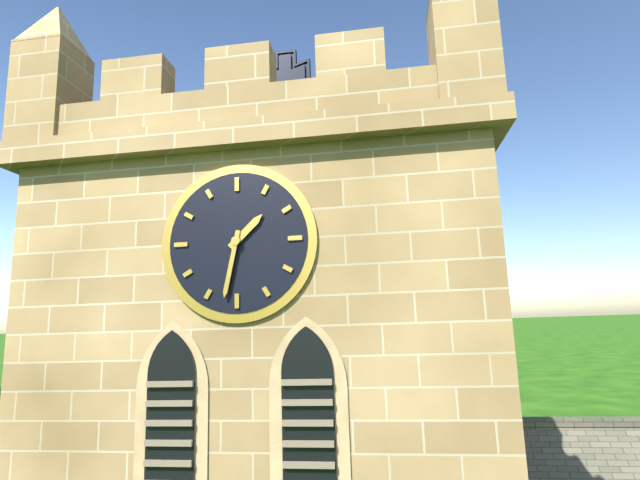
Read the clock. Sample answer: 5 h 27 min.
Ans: 1 h 32 min
